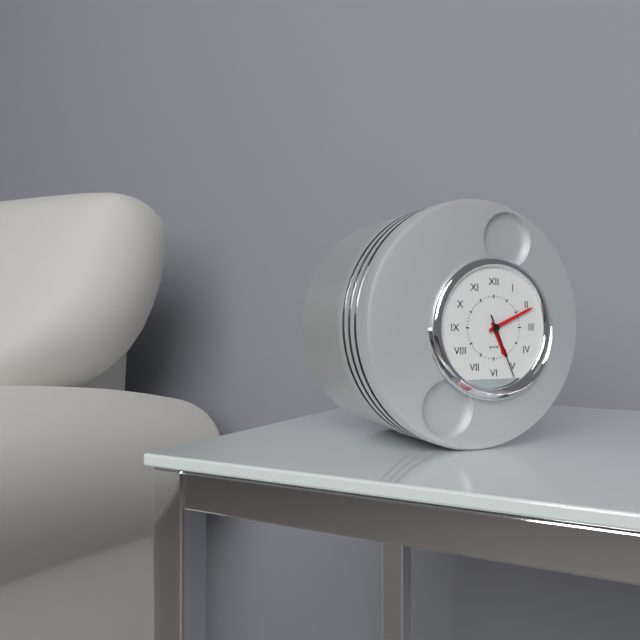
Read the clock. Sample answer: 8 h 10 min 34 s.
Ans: 5 h 11 min 26 s
